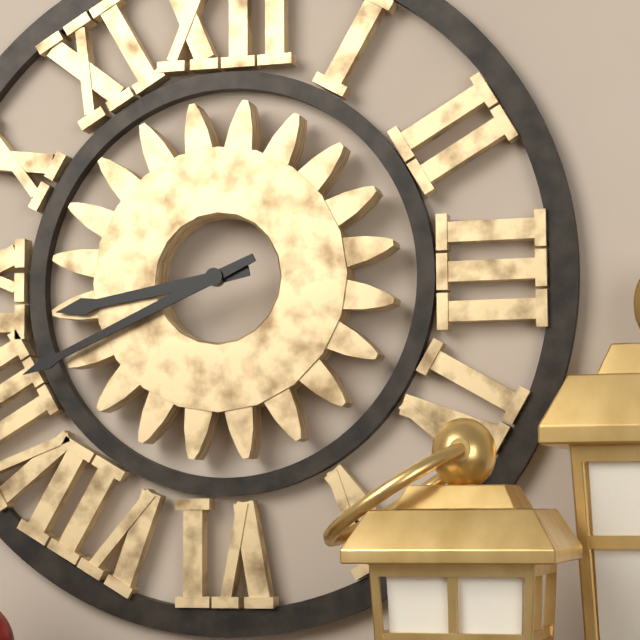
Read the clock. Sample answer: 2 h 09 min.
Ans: 8 h 41 min
